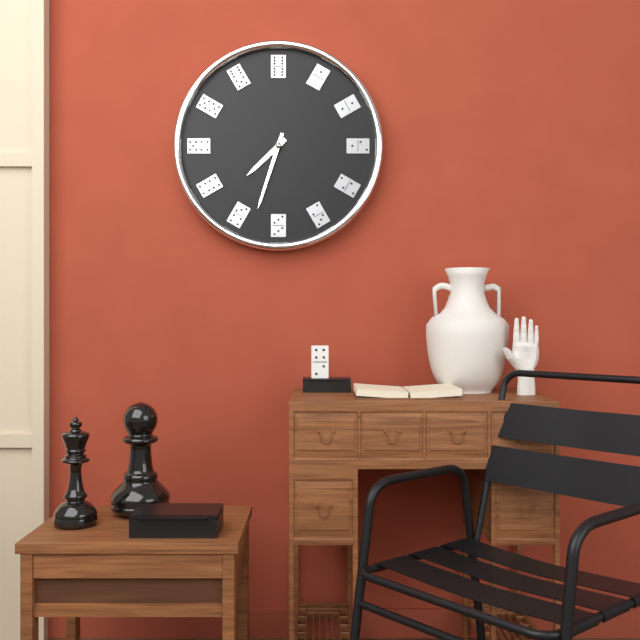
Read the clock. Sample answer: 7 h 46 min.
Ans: 7 h 33 min
